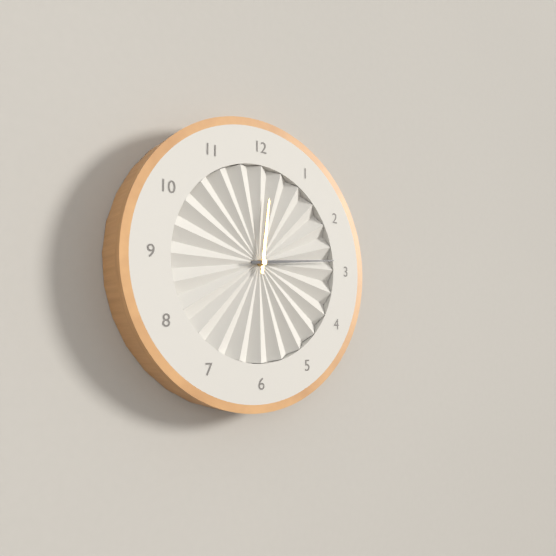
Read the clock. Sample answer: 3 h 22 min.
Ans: 12 h 14 min
